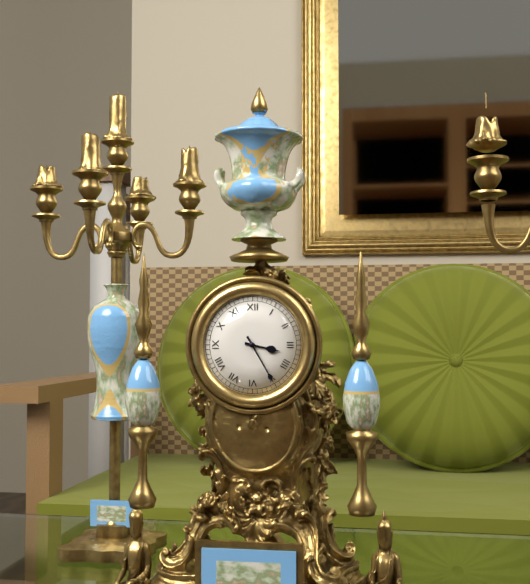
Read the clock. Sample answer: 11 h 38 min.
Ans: 3 h 25 min
